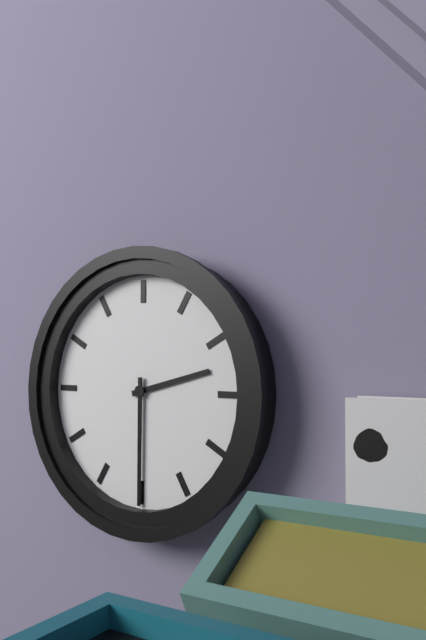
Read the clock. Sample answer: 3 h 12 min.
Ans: 2 h 30 min
